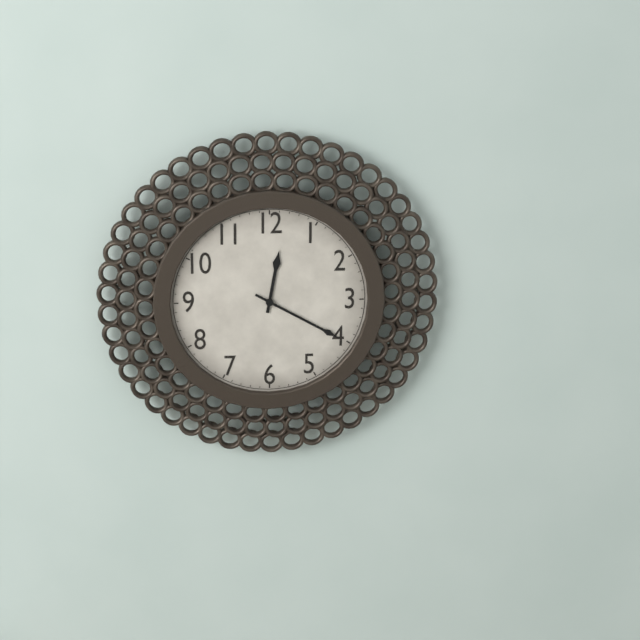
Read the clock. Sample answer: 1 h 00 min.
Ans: 12 h 20 min
